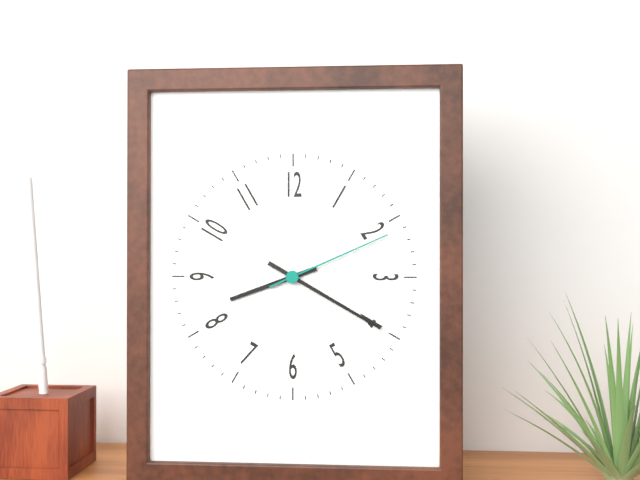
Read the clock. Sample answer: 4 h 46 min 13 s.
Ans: 8 h 20 min 11 s
